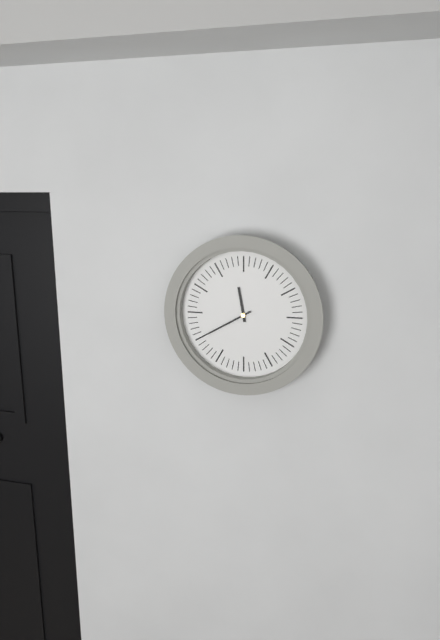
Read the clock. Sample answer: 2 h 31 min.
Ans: 11 h 40 min
